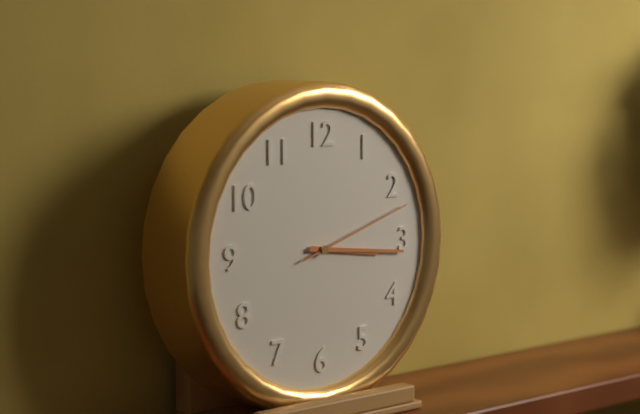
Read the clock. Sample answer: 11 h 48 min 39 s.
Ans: 3 h 16 min 12 s
